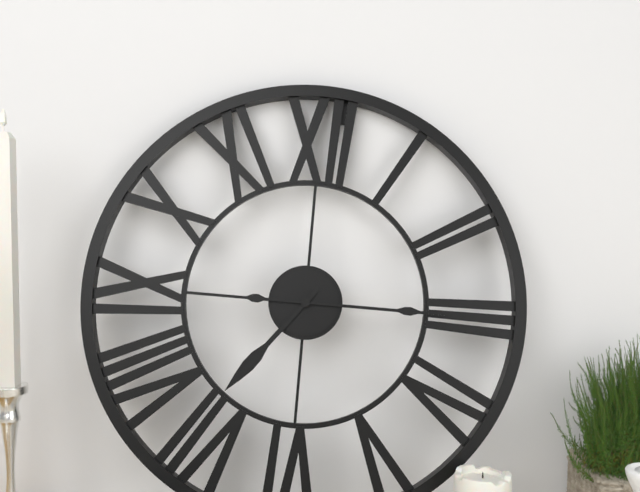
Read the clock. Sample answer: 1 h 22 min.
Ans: 7 h 15 min
